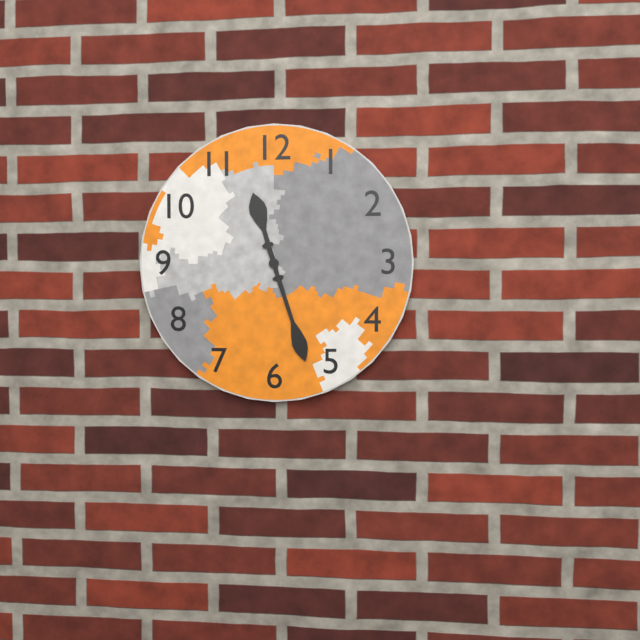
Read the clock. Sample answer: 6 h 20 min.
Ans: 11 h 27 min
